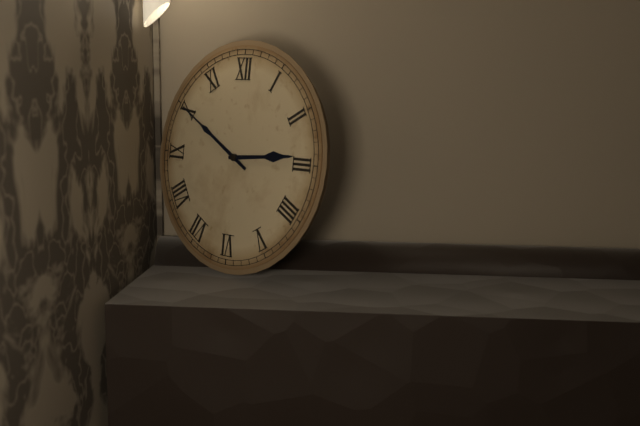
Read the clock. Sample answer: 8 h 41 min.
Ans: 2 h 50 min
